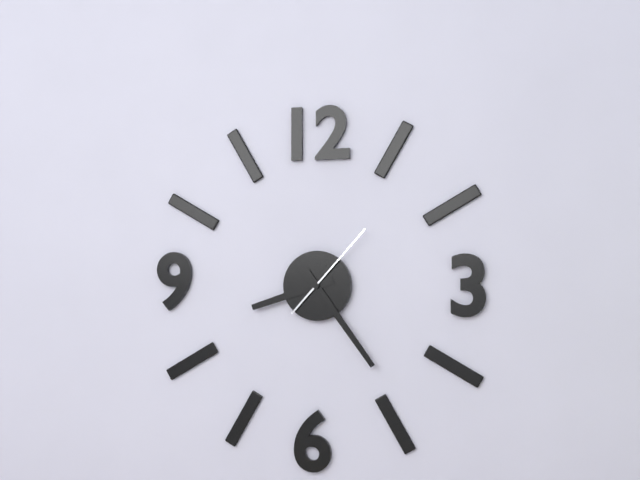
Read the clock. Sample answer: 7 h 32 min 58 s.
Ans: 8 h 24 min 07 s
